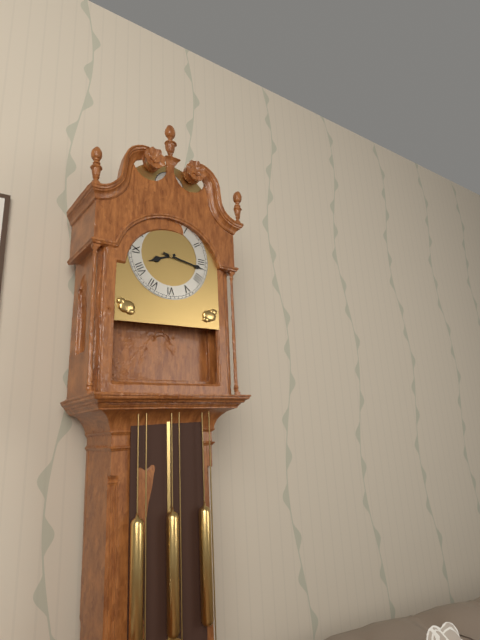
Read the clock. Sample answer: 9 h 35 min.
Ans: 8 h 17 min
